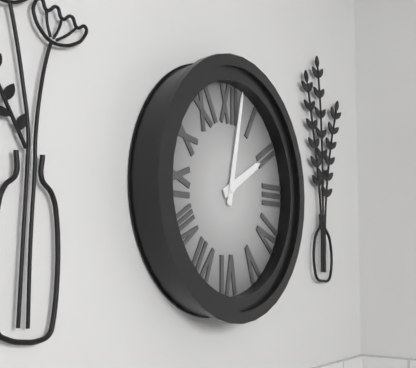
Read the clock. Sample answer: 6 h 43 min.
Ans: 2 h 02 min
